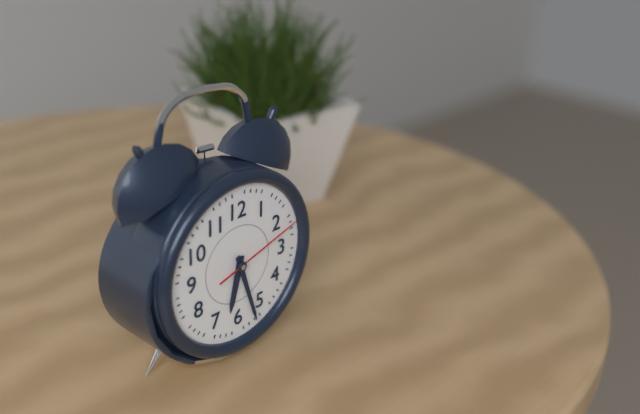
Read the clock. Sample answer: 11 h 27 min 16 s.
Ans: 6 h 27 min 12 s
